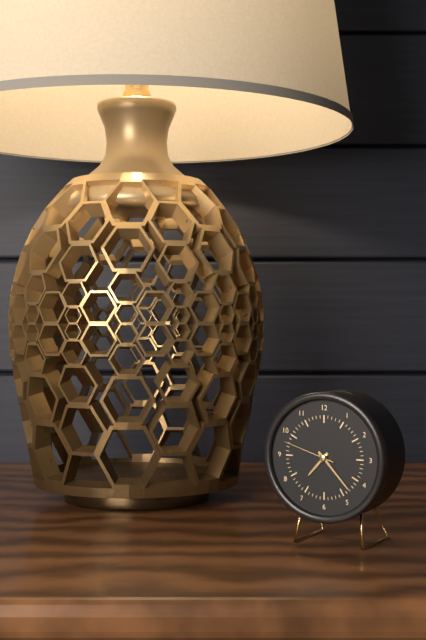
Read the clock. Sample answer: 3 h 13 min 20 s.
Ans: 7 h 23 min 48 s
